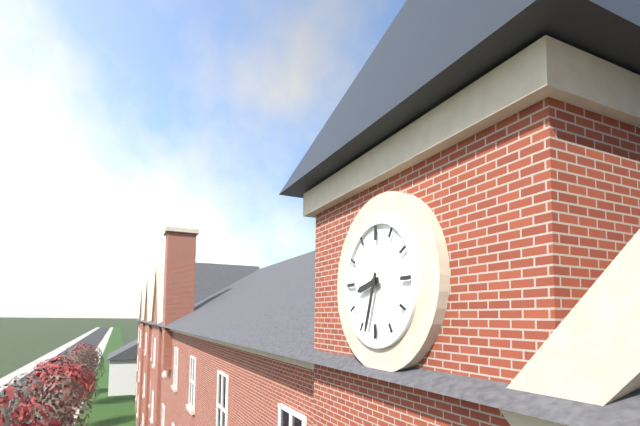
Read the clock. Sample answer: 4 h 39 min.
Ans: 8 h 33 min
